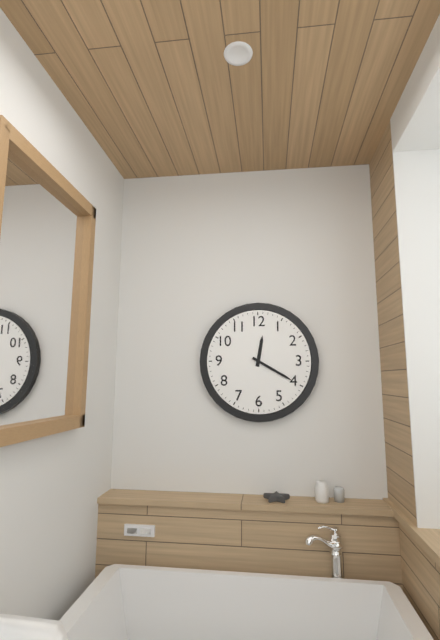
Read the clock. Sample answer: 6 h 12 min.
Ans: 12 h 20 min
